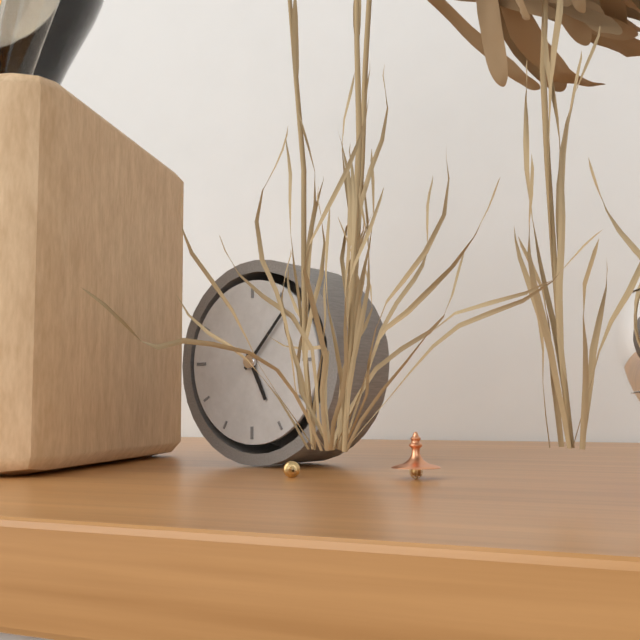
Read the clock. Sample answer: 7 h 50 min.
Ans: 5 h 07 min
